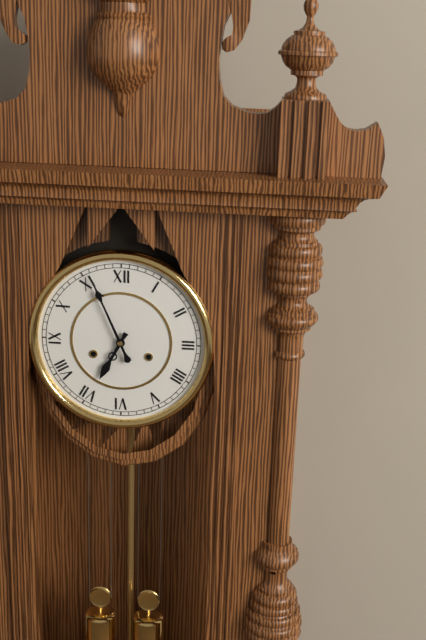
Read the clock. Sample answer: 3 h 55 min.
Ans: 6 h 56 min
